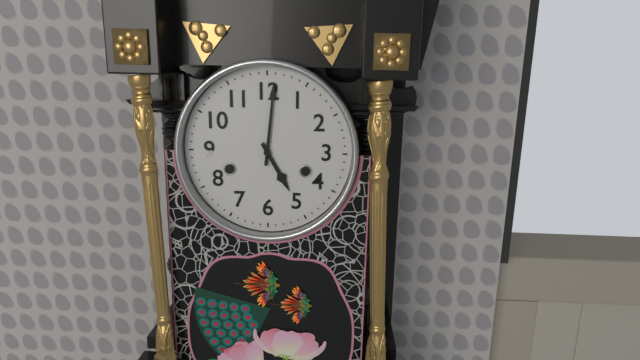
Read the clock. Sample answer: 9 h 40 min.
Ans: 5 h 01 min
